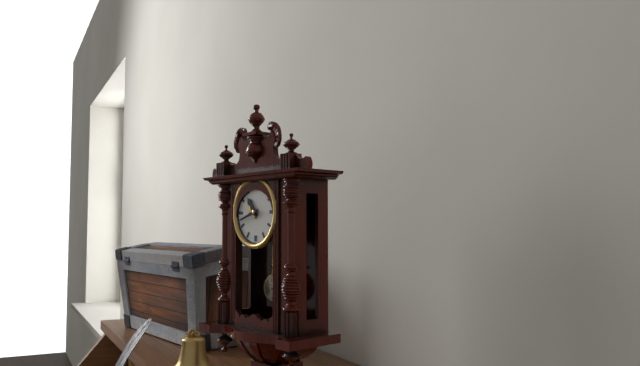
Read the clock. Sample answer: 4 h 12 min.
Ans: 10 h 42 min
